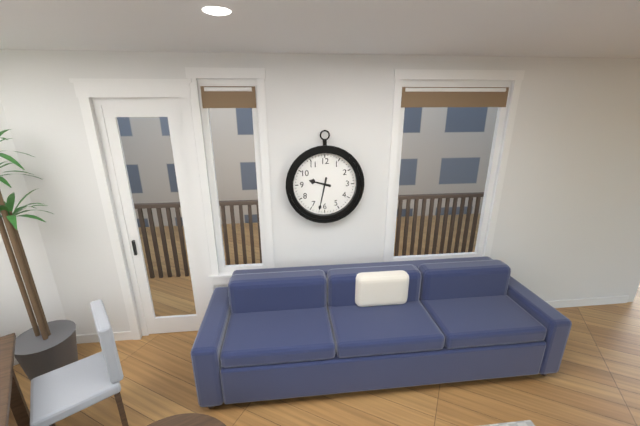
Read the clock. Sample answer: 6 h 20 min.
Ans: 9 h 32 min
